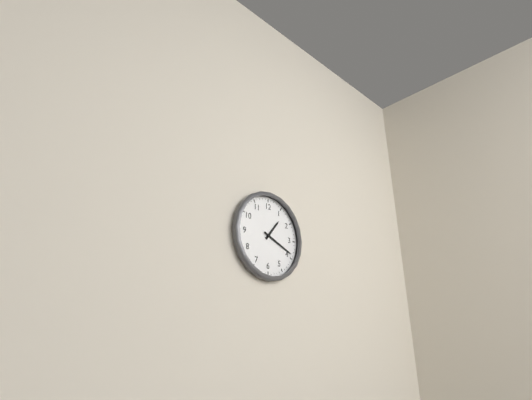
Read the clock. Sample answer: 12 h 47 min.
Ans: 1 h 19 min
